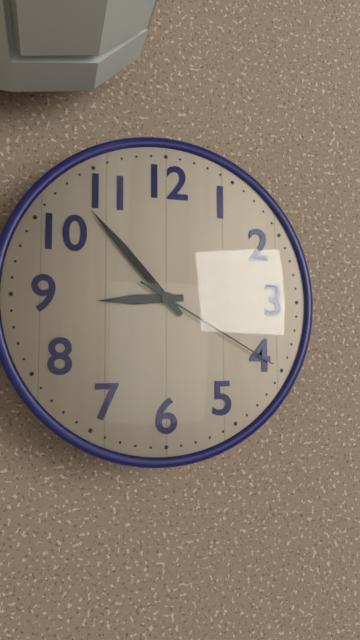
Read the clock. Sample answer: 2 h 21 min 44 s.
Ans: 8 h 53 min 20 s
